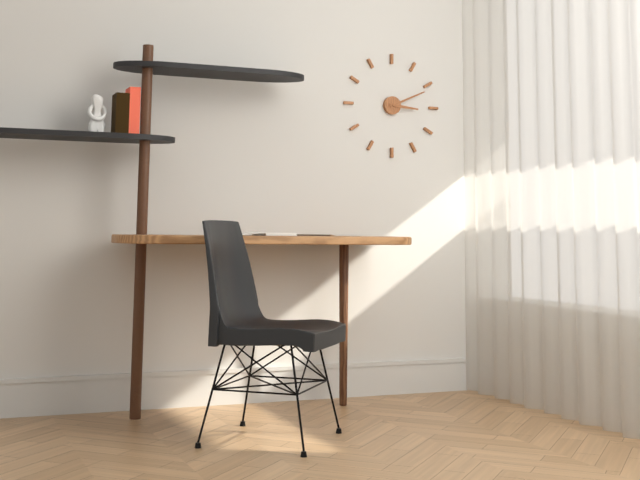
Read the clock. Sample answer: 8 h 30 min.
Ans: 3 h 11 min
